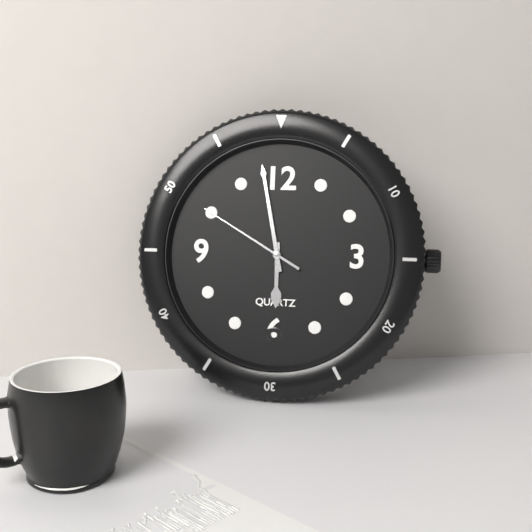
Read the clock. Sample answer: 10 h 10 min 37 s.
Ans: 5 h 58 min 50 s
